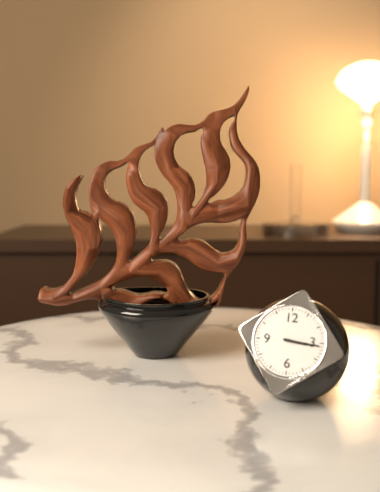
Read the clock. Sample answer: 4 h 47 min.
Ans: 3 h 16 min
